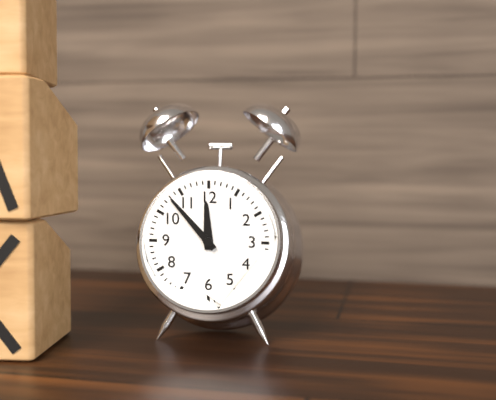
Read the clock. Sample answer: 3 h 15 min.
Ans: 11 h 53 min
